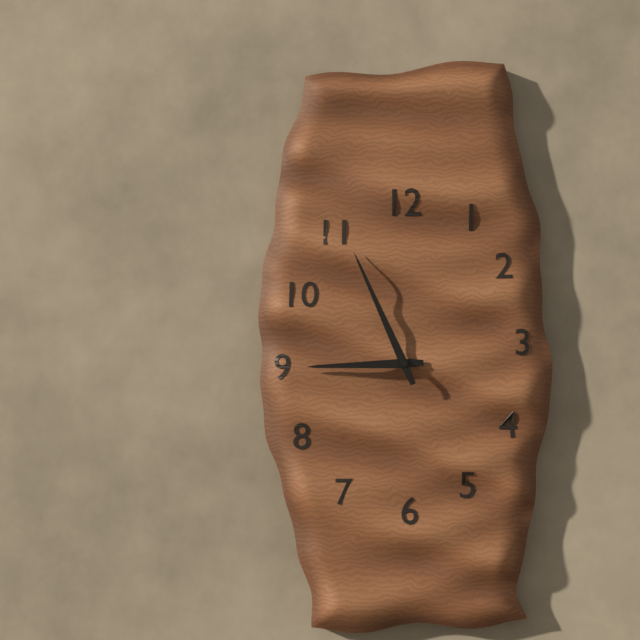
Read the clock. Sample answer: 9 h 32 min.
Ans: 8 h 56 min
